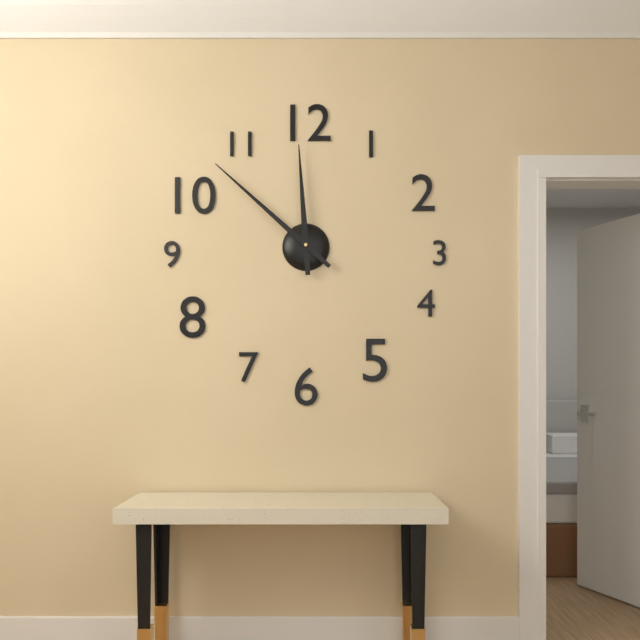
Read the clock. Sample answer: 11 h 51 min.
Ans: 11 h 52 min
